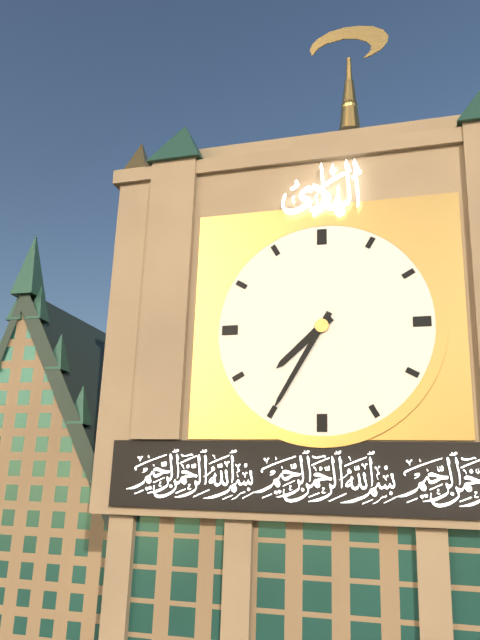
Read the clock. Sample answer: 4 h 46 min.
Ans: 7 h 35 min
